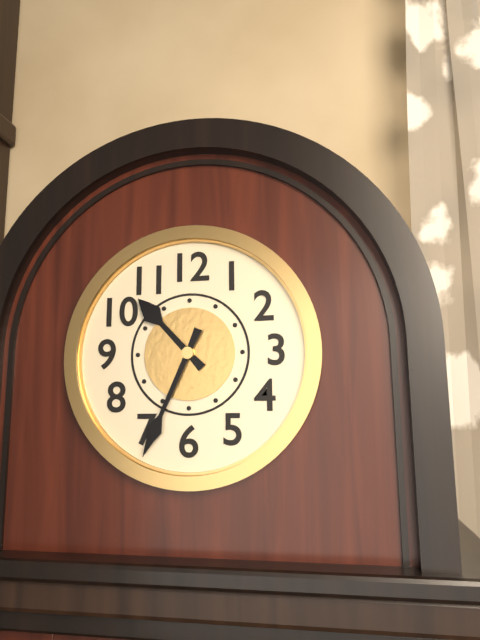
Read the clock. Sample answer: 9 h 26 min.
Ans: 10 h 34 min
